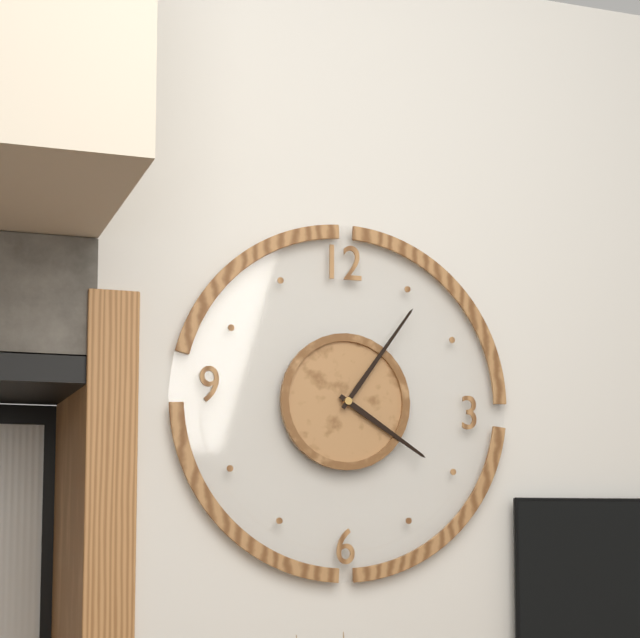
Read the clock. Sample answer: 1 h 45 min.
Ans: 4 h 06 min
